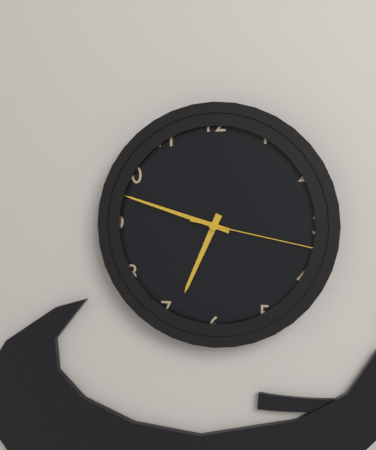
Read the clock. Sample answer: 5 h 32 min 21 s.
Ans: 6 h 48 min 17 s
